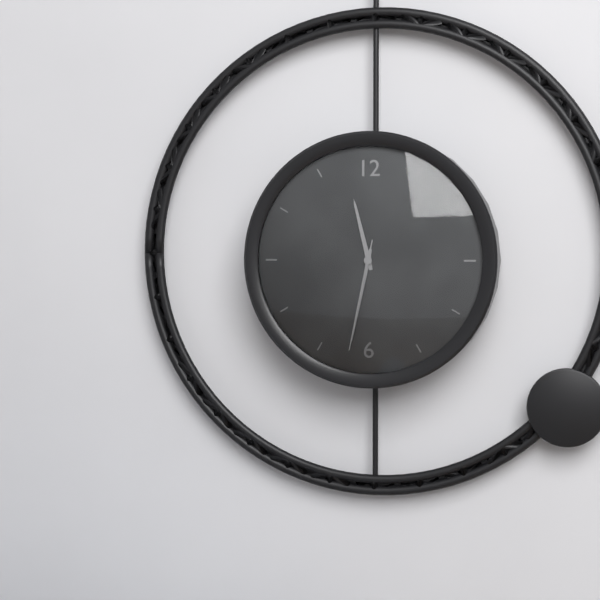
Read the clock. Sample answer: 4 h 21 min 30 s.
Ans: 11 h 32 min 32 s
